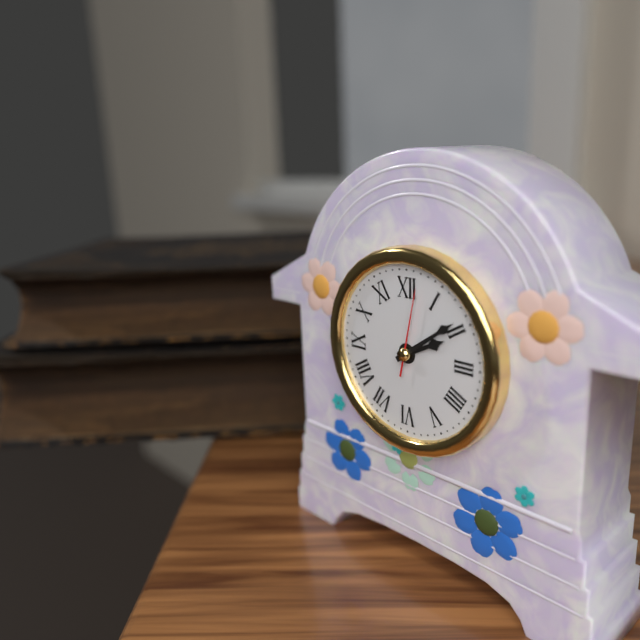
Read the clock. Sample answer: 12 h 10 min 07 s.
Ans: 2 h 09 min 02 s
